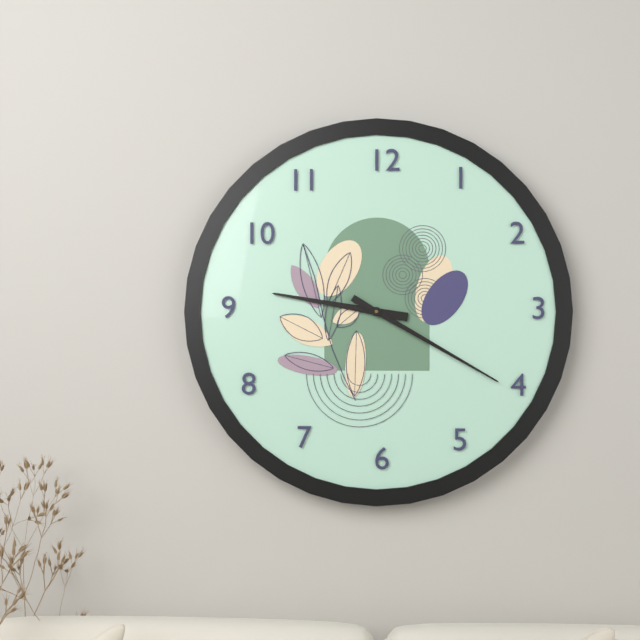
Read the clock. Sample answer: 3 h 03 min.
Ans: 9 h 20 min
